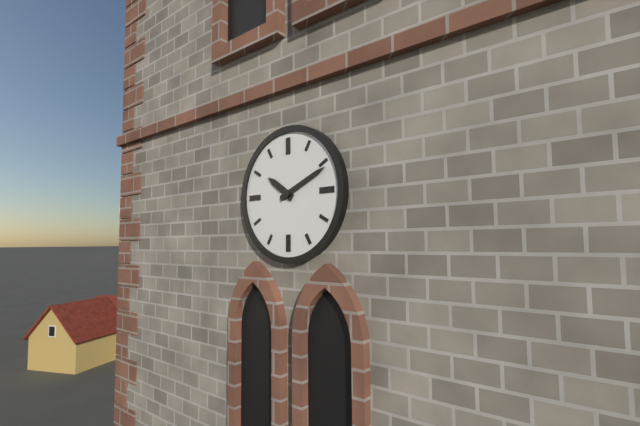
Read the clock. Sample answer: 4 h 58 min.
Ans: 10 h 11 min
